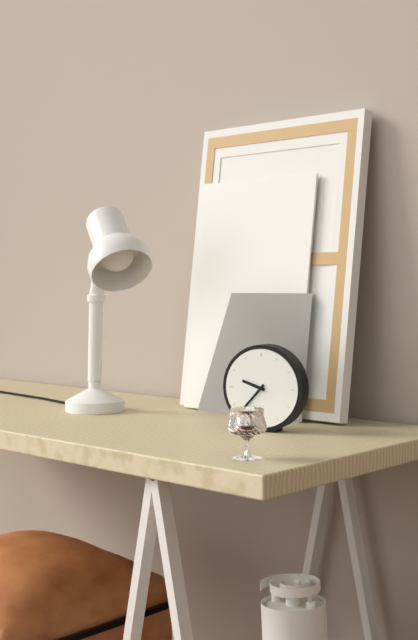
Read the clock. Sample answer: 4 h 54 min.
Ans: 9 h 37 min
